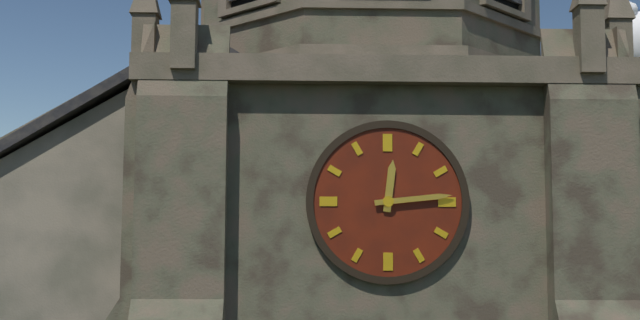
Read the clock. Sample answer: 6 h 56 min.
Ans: 12 h 14 min
